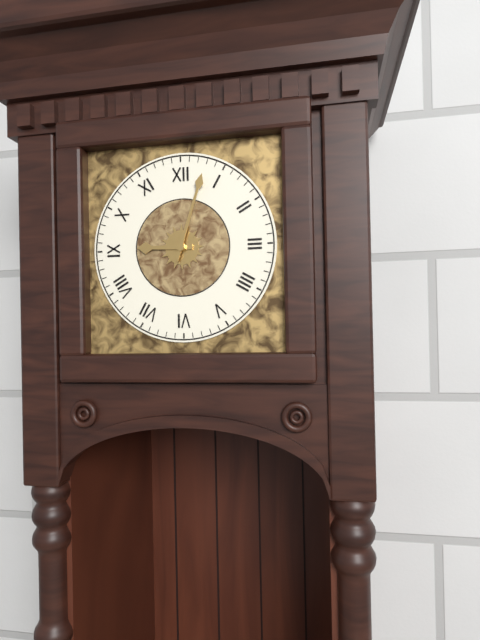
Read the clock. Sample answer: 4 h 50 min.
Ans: 9 h 03 min
